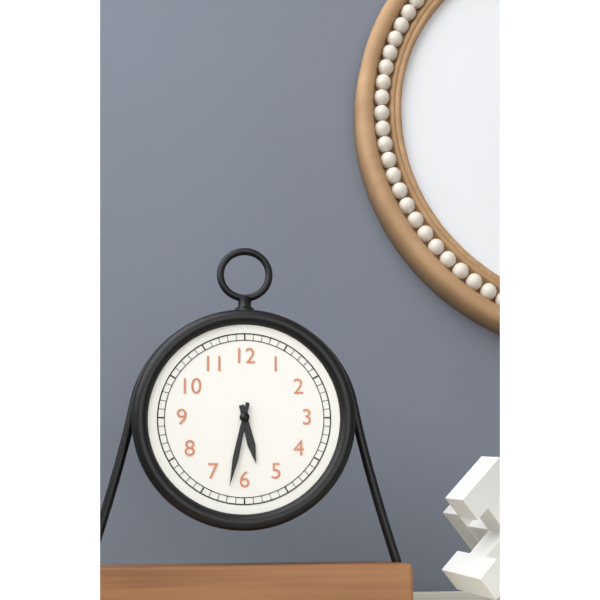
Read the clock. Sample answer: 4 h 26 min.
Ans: 5 h 32 min
